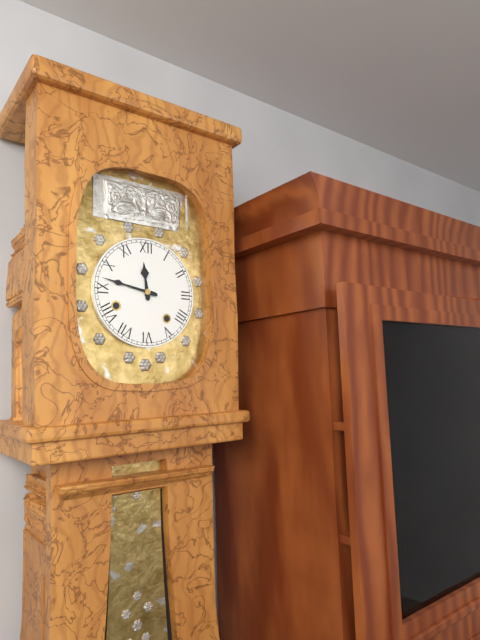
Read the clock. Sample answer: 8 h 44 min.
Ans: 11 h 47 min
